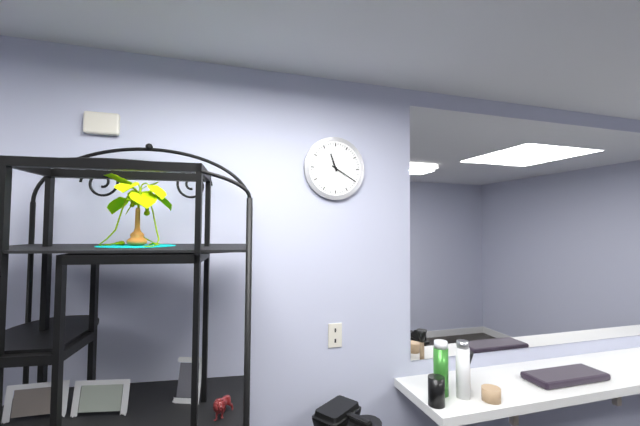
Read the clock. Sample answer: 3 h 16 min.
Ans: 11 h 20 min
